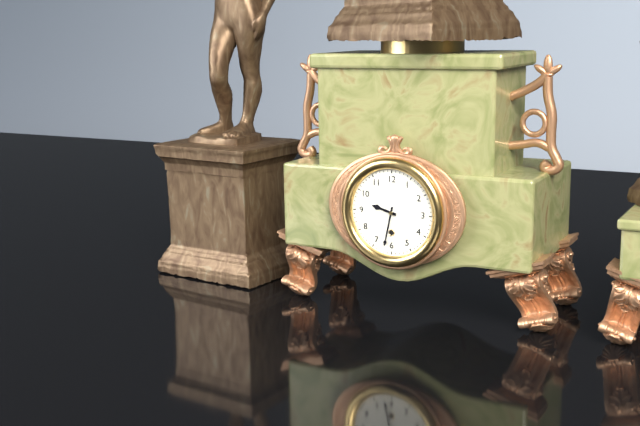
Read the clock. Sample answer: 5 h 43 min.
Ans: 9 h 32 min
